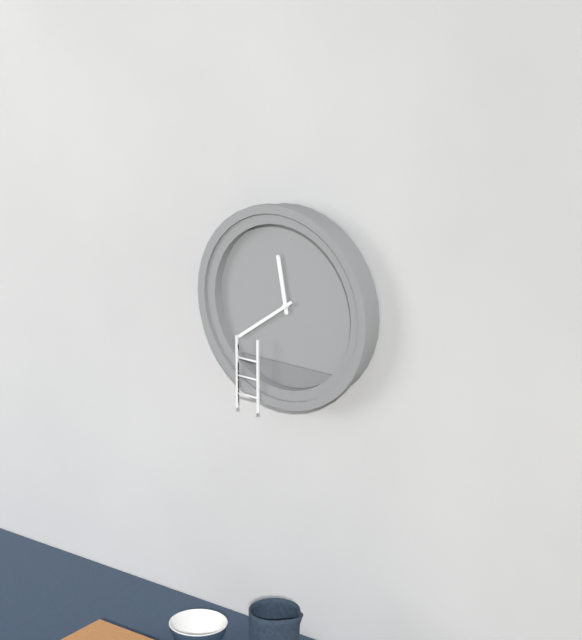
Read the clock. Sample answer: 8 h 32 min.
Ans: 11 h 39 min
